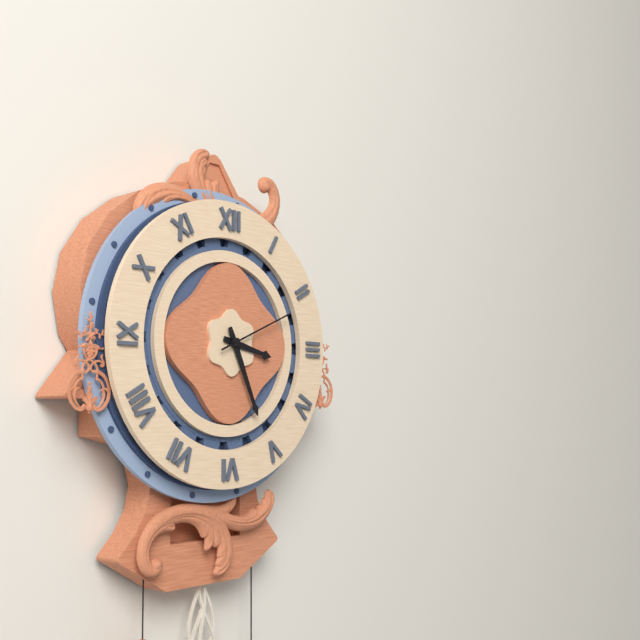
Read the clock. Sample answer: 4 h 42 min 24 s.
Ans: 3 h 26 min 11 s
